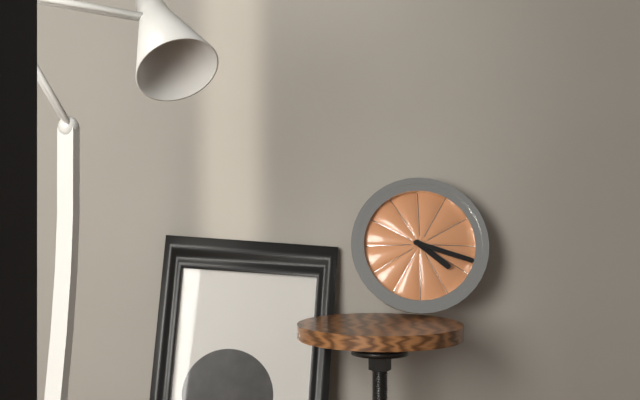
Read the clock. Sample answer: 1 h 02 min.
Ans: 4 h 18 min
